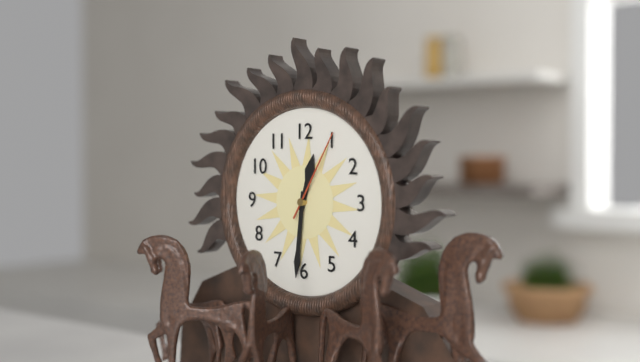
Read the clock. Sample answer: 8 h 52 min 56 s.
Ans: 12 h 31 min 05 s
